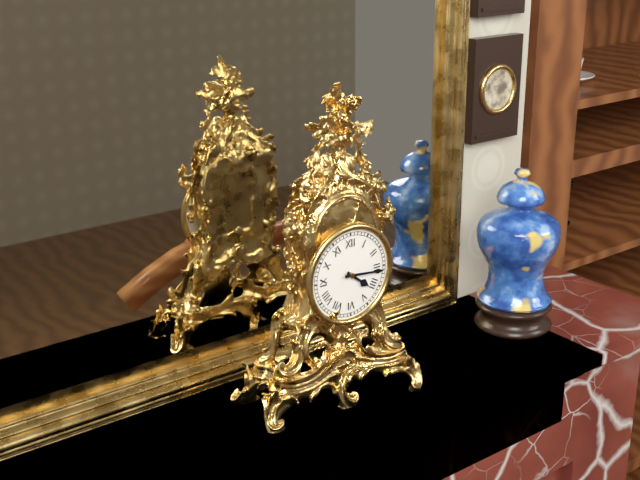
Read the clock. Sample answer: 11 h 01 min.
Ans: 4 h 16 min
